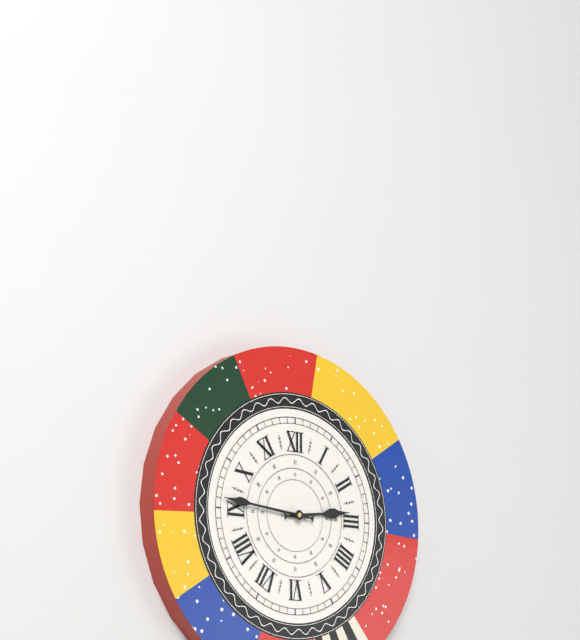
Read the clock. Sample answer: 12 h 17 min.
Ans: 2 h 46 min
